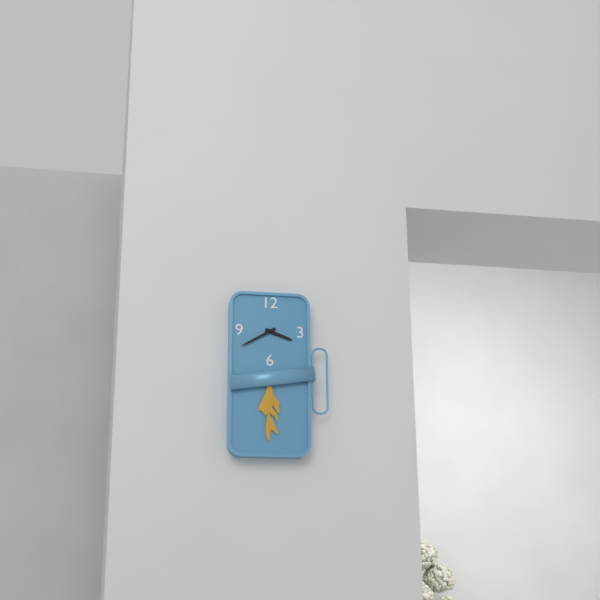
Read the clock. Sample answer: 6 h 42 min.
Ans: 3 h 40 min
